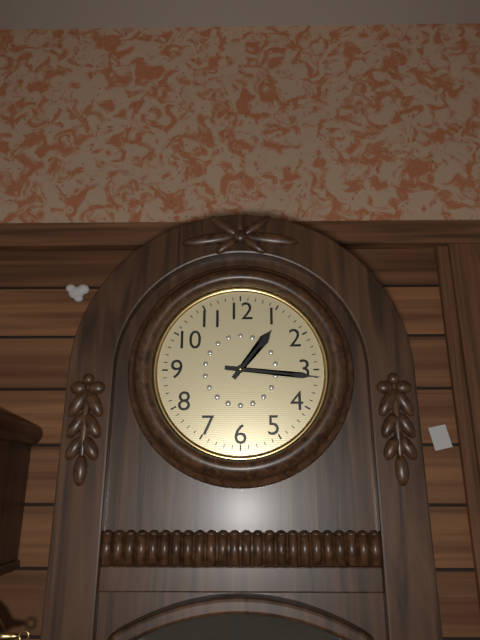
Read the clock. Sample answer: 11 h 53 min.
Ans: 1 h 16 min
